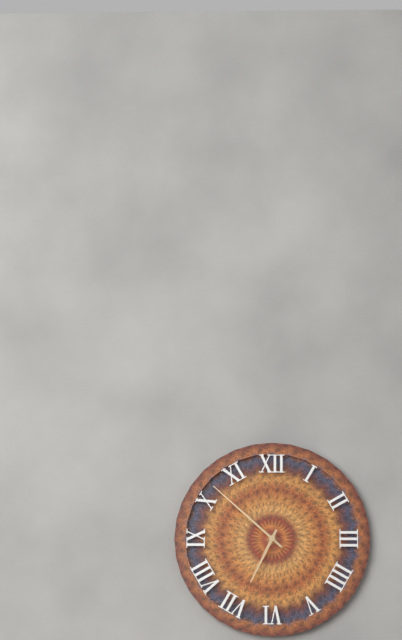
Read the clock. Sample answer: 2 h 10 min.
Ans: 6 h 52 min
